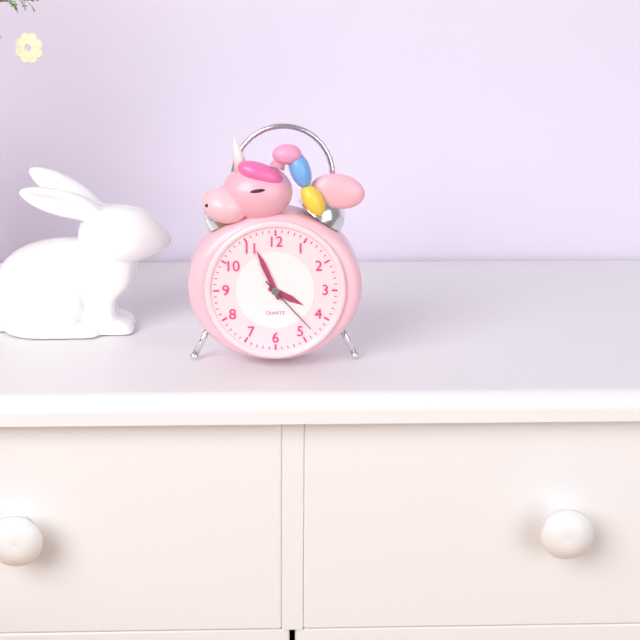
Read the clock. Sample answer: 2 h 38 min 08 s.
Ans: 3 h 56 min 23 s
